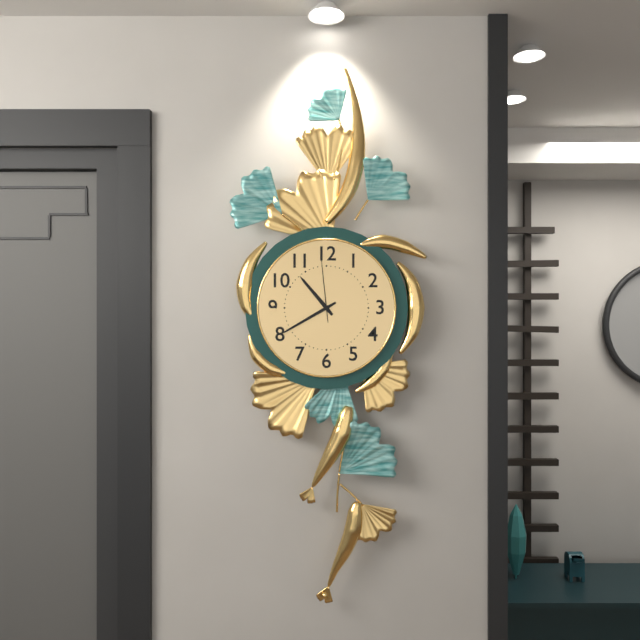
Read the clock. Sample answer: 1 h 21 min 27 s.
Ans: 10 h 40 min 59 s
